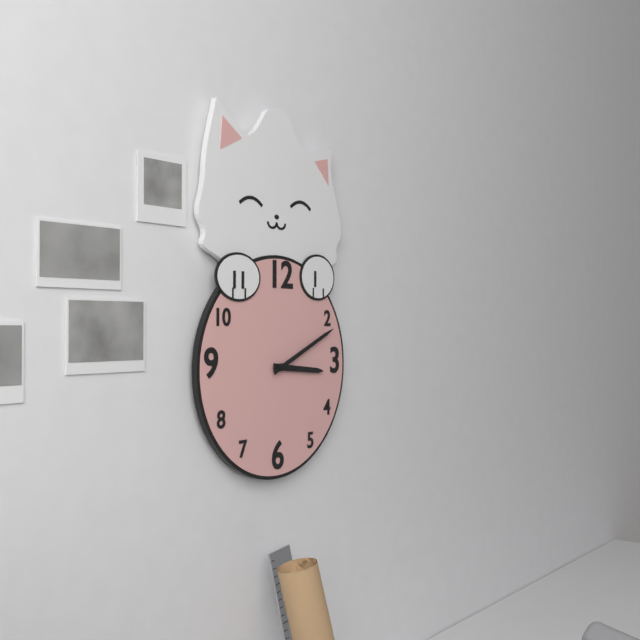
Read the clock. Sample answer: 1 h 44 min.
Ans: 3 h 11 min
